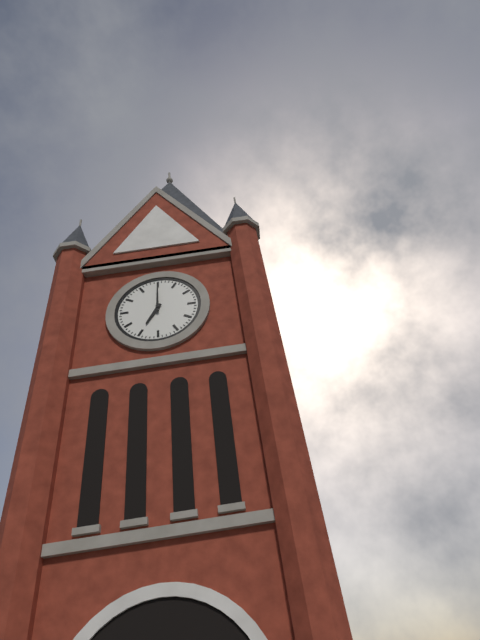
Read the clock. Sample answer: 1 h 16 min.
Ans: 7 h 00 min
